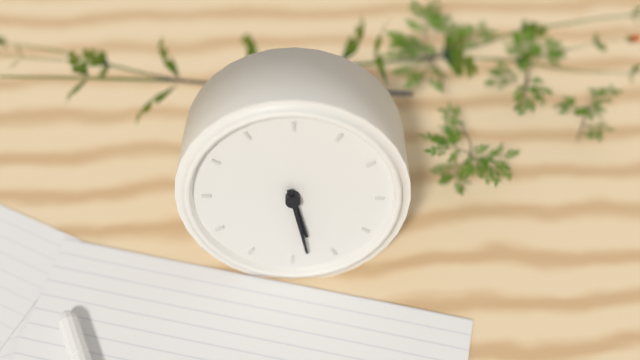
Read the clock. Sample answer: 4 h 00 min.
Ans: 5 h 28 min
